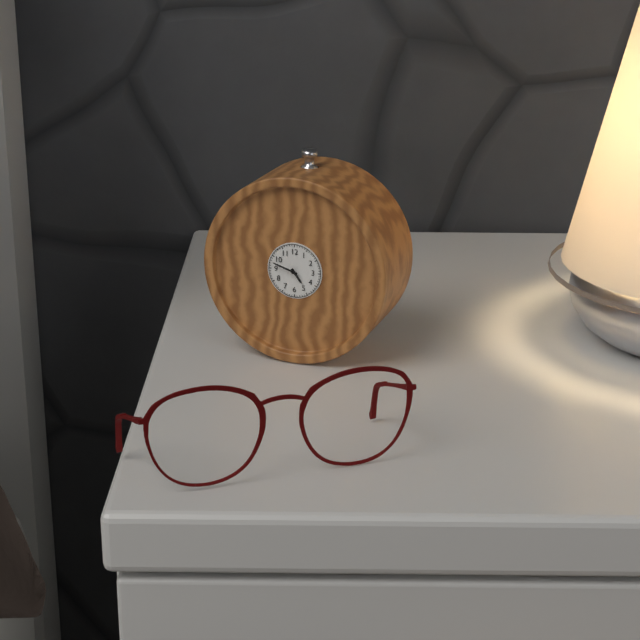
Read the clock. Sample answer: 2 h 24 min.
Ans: 4 h 48 min
